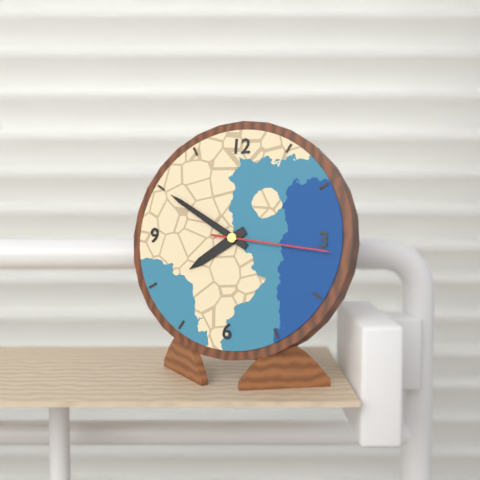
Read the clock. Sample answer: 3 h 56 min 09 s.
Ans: 7 h 50 min 16 s
